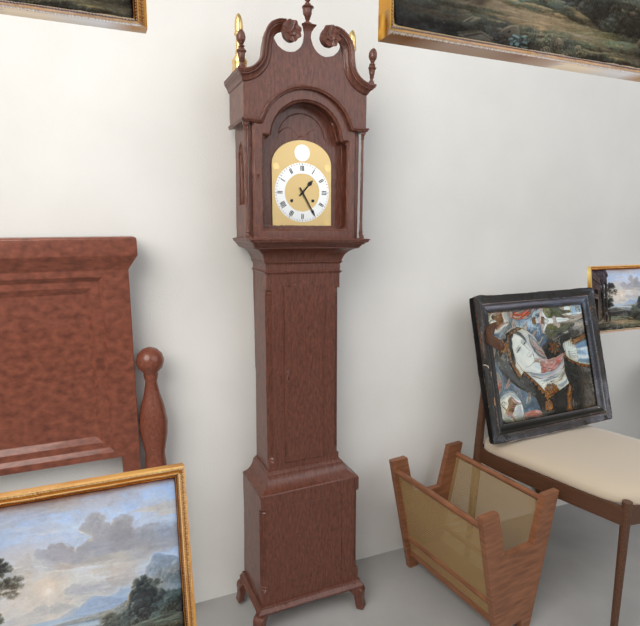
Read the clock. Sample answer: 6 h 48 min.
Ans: 1 h 25 min
